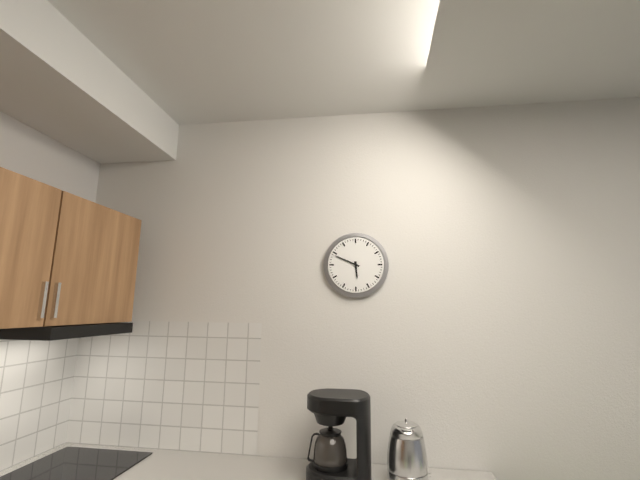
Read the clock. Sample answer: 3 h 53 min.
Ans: 5 h 49 min
